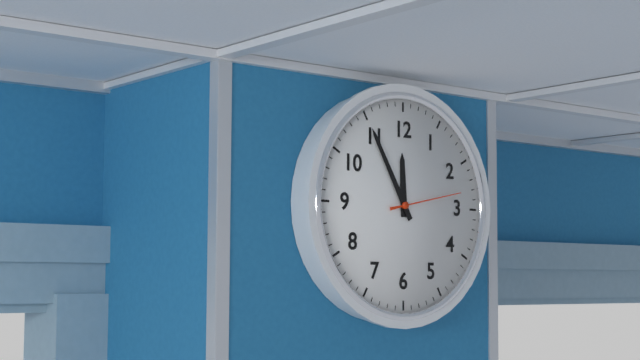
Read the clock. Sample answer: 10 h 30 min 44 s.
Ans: 11 h 55 min 13 s
